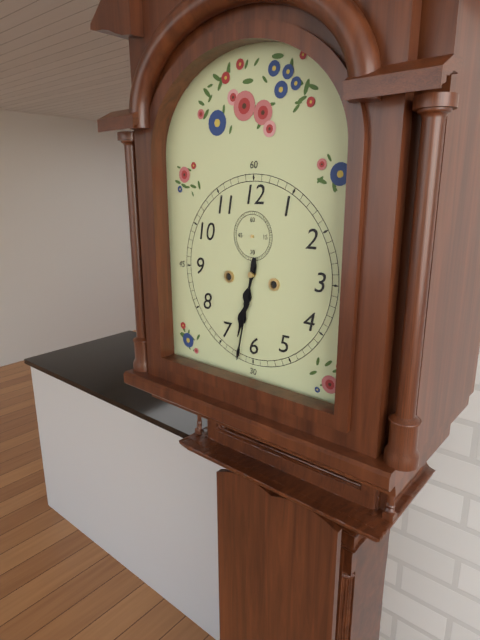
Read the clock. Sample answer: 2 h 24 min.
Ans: 6 h 32 min
